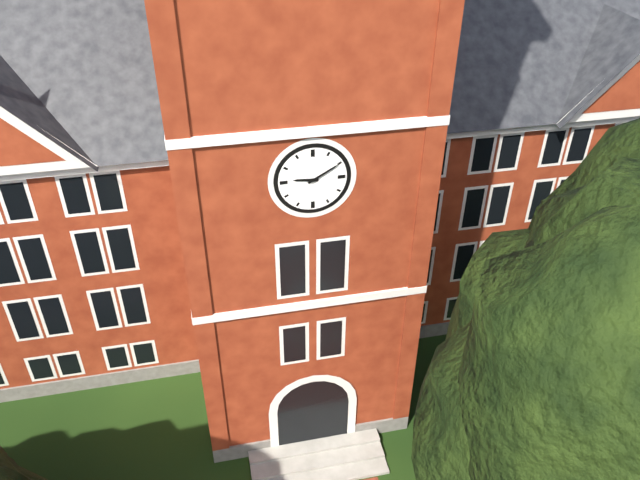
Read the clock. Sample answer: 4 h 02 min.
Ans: 9 h 10 min
